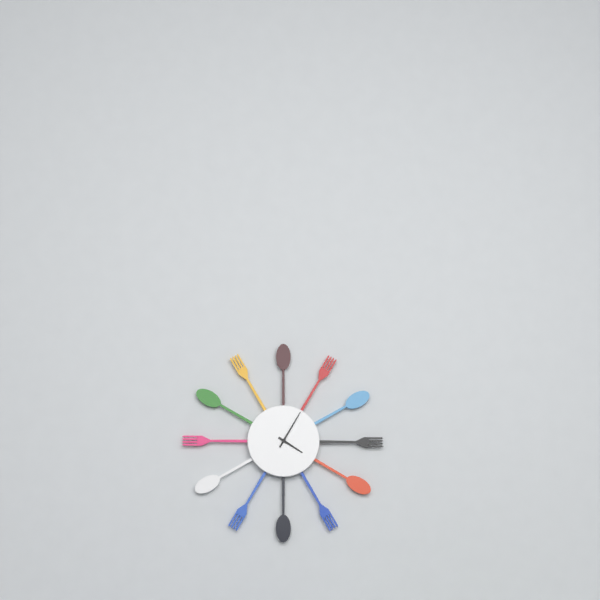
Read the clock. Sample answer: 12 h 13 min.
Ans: 4 h 05 min
